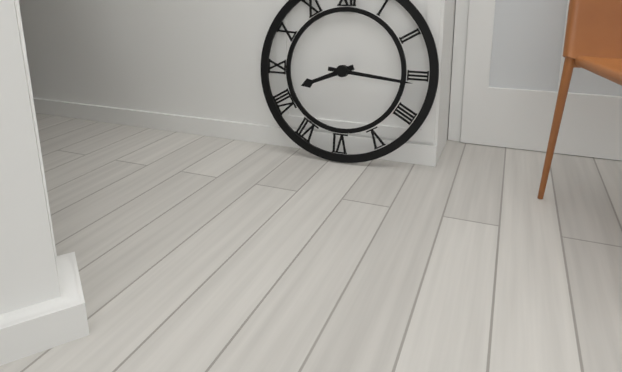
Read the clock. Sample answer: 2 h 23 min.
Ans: 8 h 16 min
